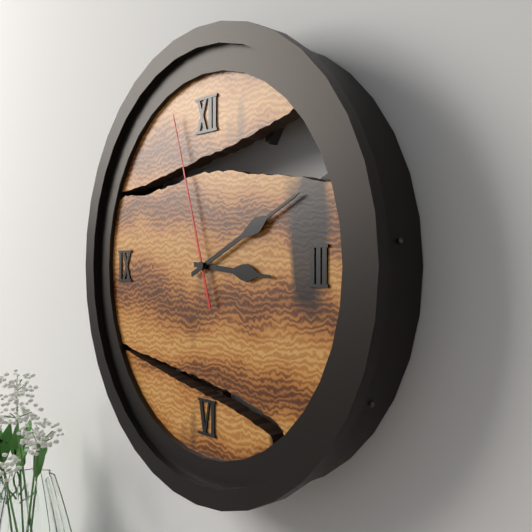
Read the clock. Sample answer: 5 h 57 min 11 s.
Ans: 3 h 11 min 57 s
